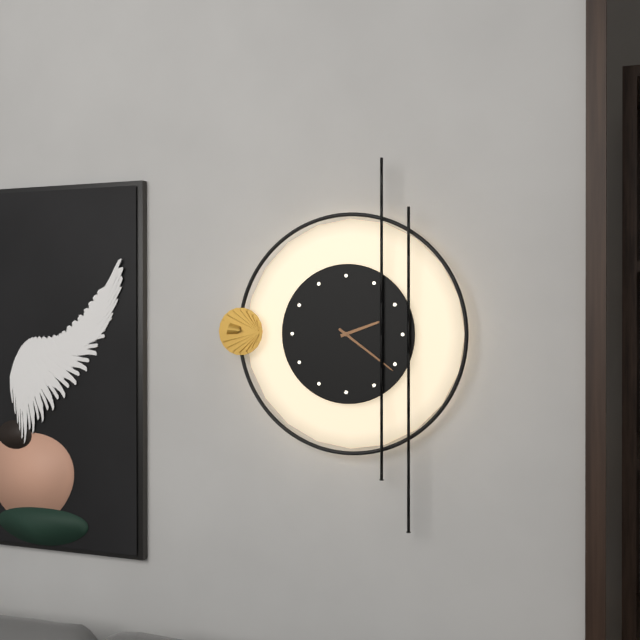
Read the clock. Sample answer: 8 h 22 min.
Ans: 2 h 21 min
